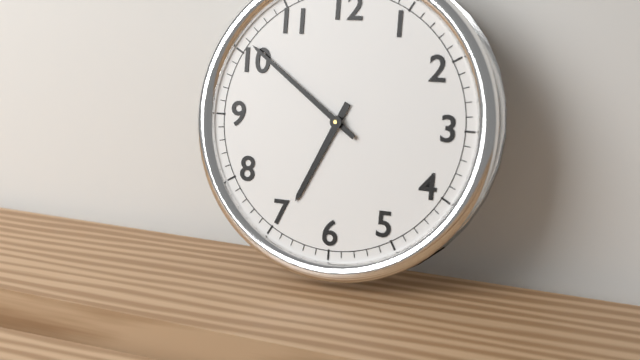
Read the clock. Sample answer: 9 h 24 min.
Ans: 6 h 51 min
